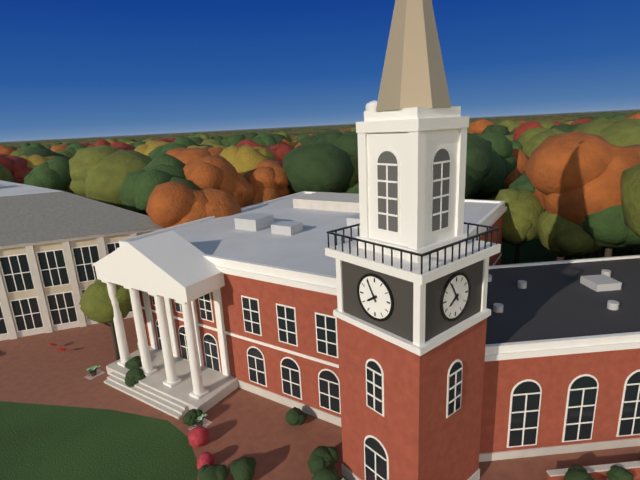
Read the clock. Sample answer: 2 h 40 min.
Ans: 7 h 55 min
